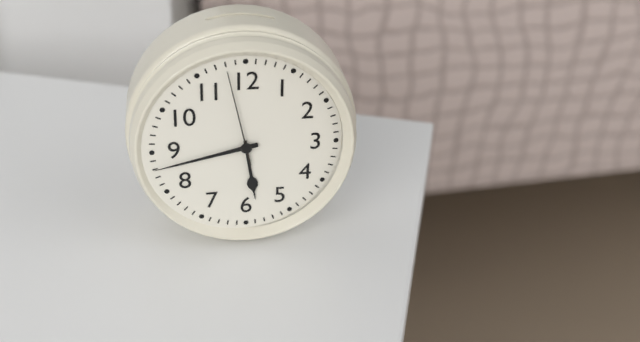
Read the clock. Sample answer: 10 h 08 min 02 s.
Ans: 5 h 43 min 58 s
